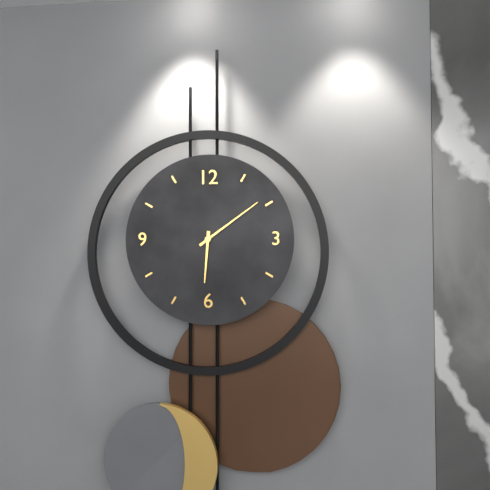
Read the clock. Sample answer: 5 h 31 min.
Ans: 6 h 09 min
